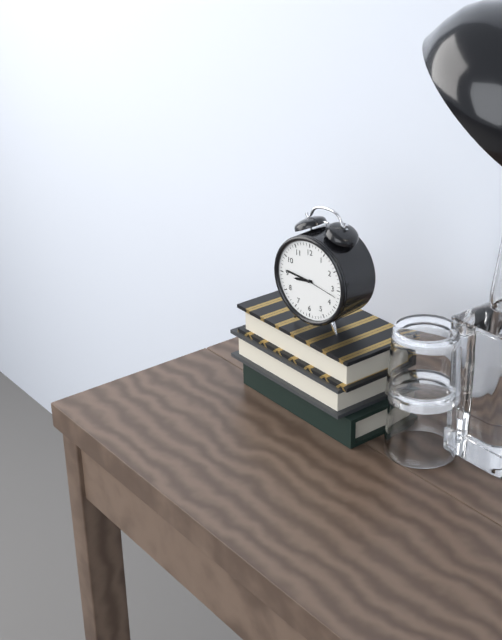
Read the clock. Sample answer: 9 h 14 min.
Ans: 8 h 46 min
